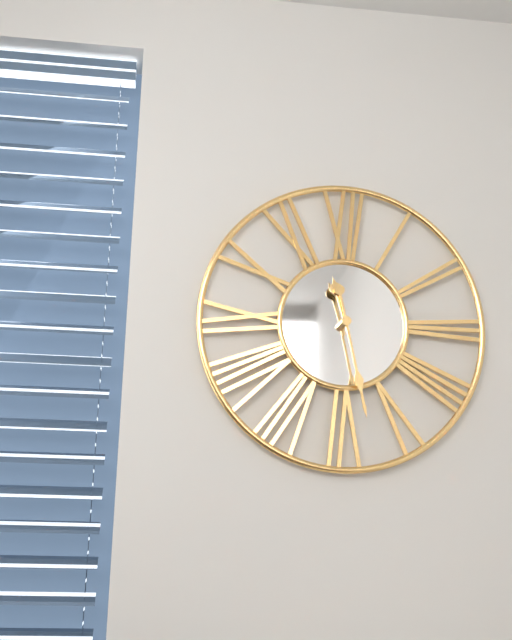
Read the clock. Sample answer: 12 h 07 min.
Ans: 11 h 28 min
